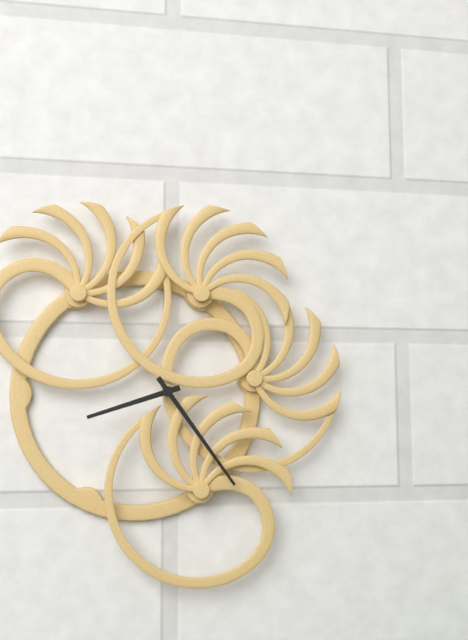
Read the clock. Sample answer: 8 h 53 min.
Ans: 8 h 24 min
